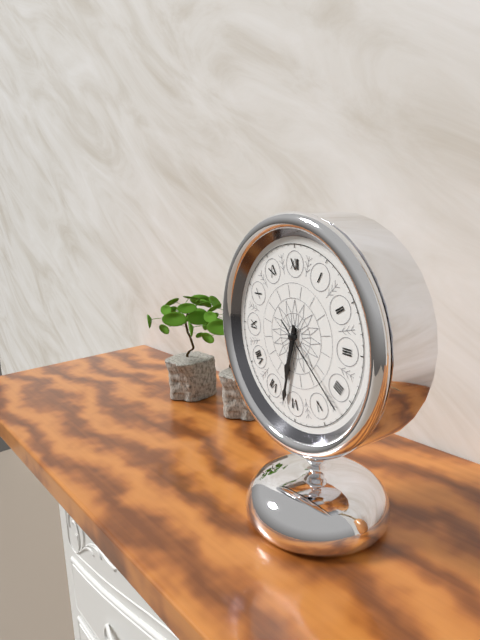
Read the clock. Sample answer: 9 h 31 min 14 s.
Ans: 6 h 32 min 22 s
